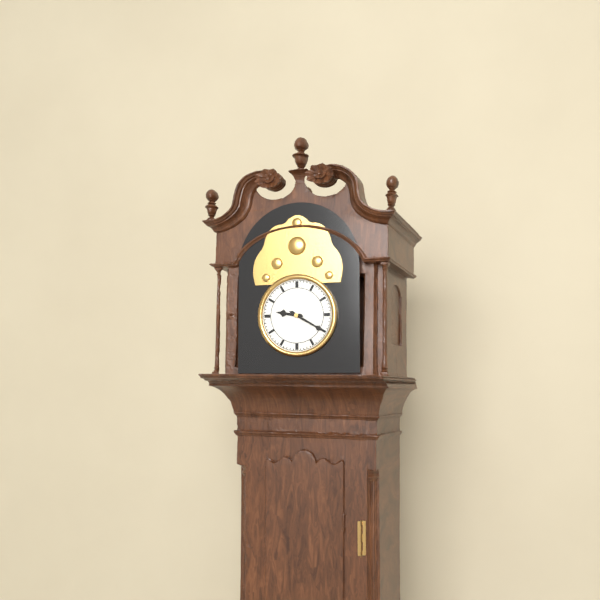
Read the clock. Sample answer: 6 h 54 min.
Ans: 9 h 20 min
